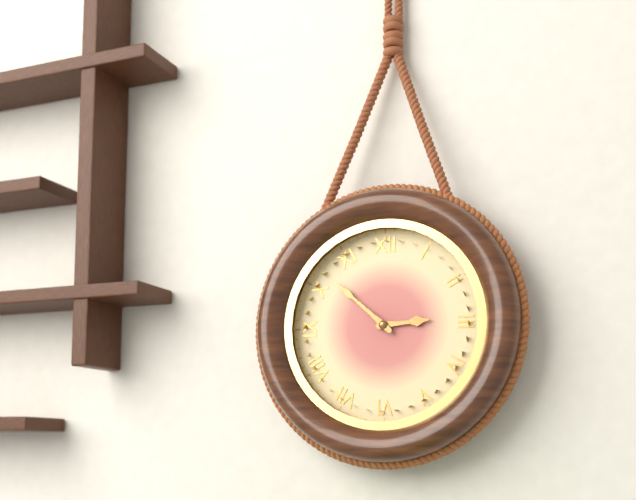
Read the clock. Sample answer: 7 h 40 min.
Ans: 2 h 52 min
